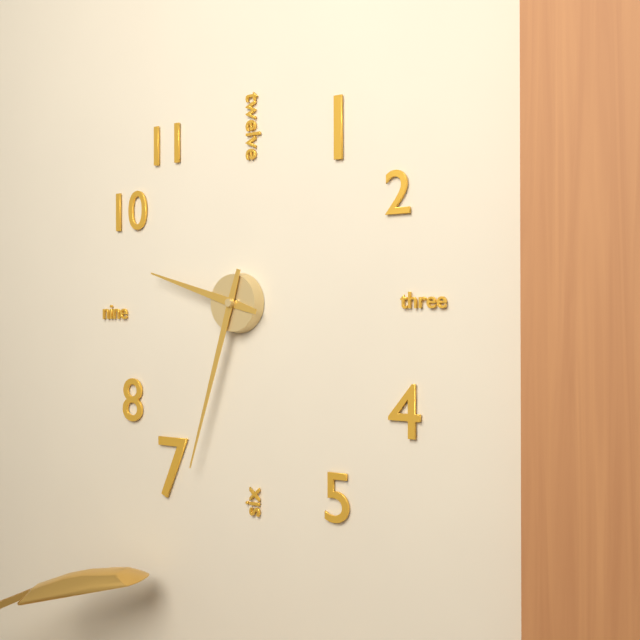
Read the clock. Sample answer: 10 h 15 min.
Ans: 9 h 33 min
